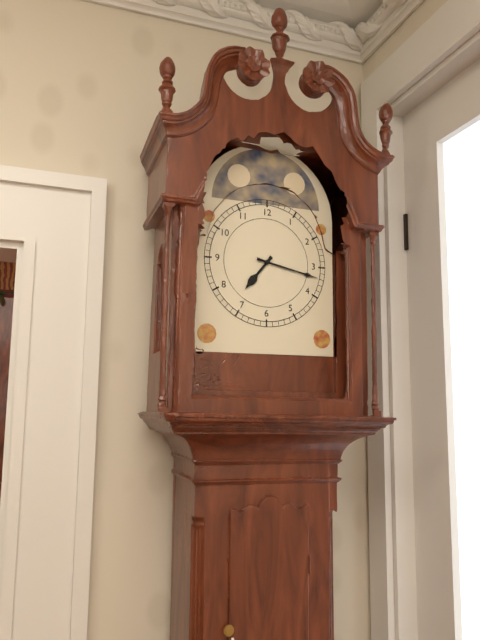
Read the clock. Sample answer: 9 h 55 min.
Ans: 7 h 17 min
